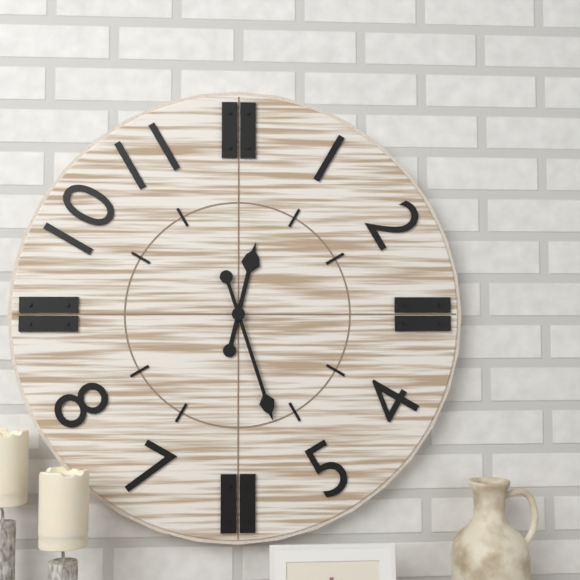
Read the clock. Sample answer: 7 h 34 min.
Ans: 12 h 27 min
